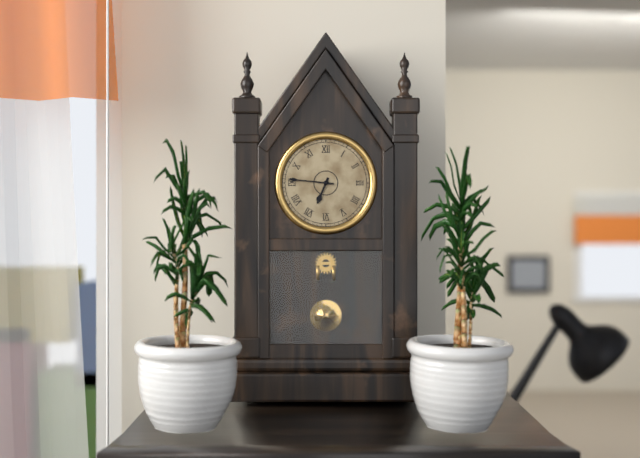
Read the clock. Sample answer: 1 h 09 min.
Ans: 6 h 46 min
